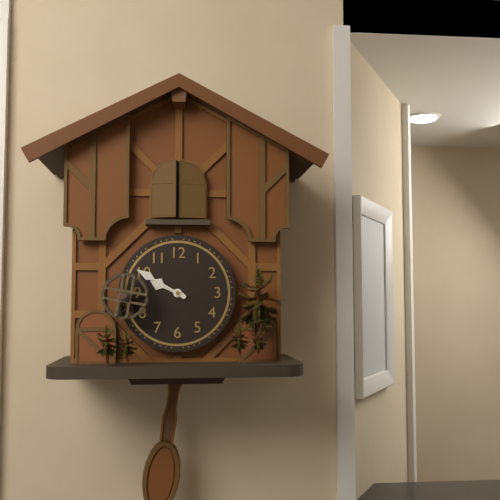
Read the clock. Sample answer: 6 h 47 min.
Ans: 9 h 50 min
